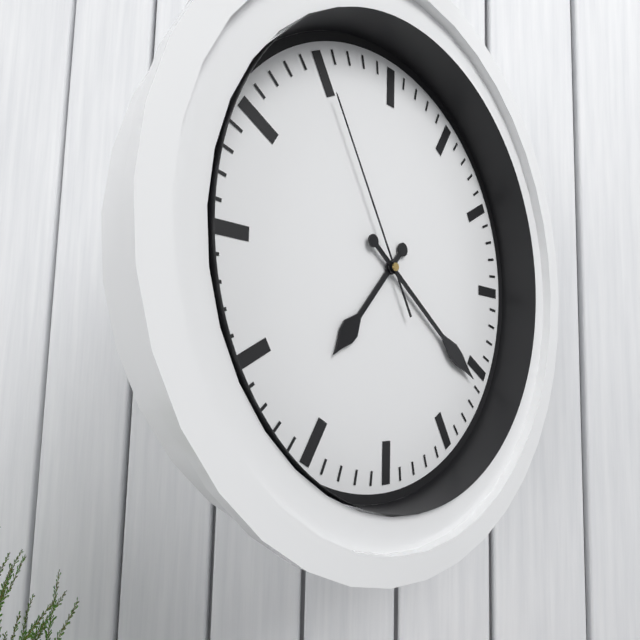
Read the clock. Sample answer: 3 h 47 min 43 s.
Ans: 7 h 21 min 55 s
